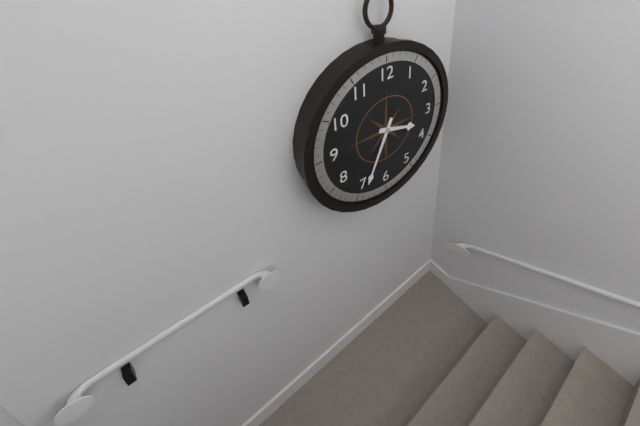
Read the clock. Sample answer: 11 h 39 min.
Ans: 3 h 34 min
